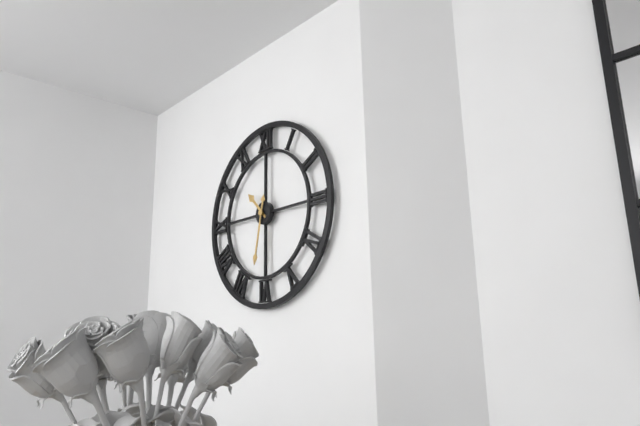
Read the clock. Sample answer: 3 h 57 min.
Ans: 10 h 32 min
